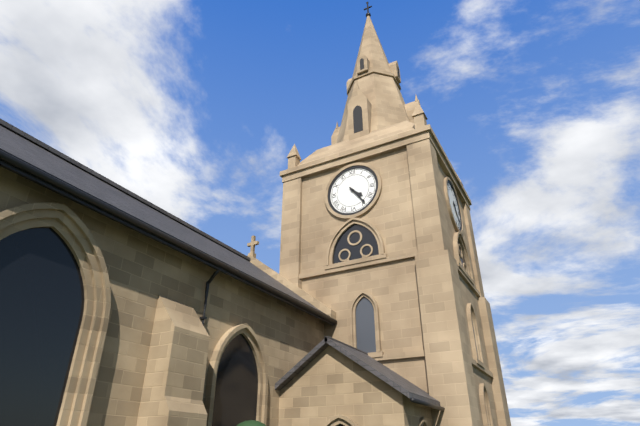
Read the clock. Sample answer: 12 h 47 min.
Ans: 4 h 24 min
